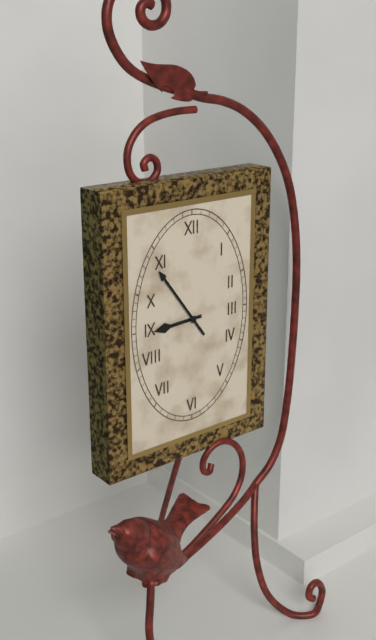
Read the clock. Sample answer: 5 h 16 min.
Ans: 8 h 54 min
